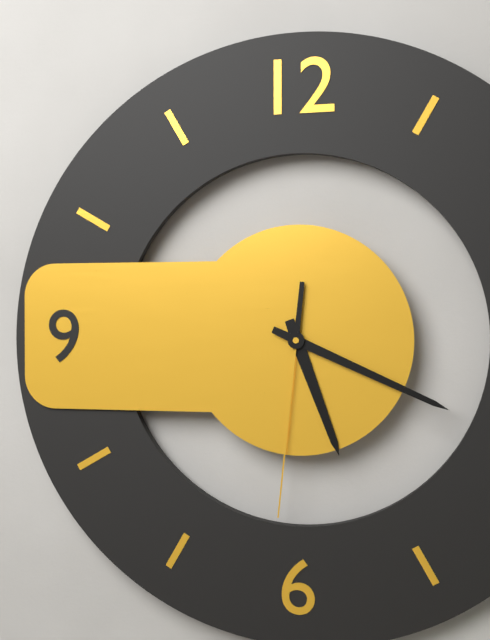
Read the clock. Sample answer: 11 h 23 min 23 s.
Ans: 5 h 19 min 31 s
